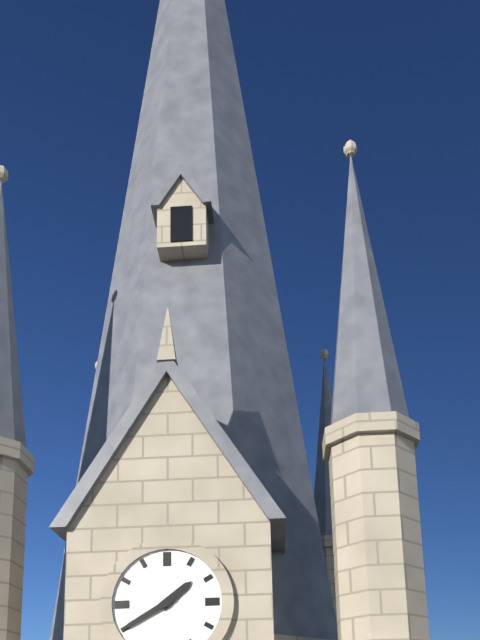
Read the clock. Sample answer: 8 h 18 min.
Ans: 1 h 40 min
